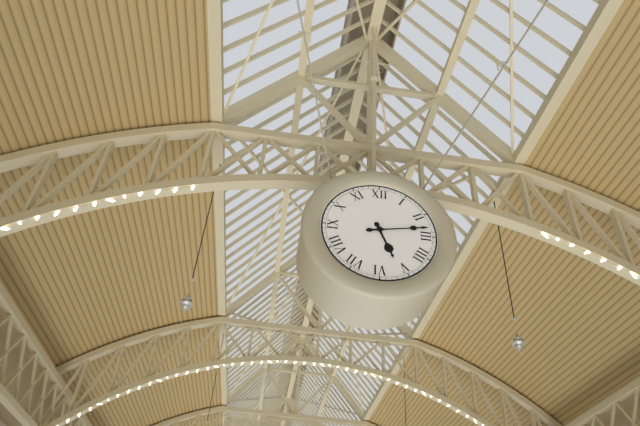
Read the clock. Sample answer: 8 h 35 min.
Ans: 5 h 13 min
